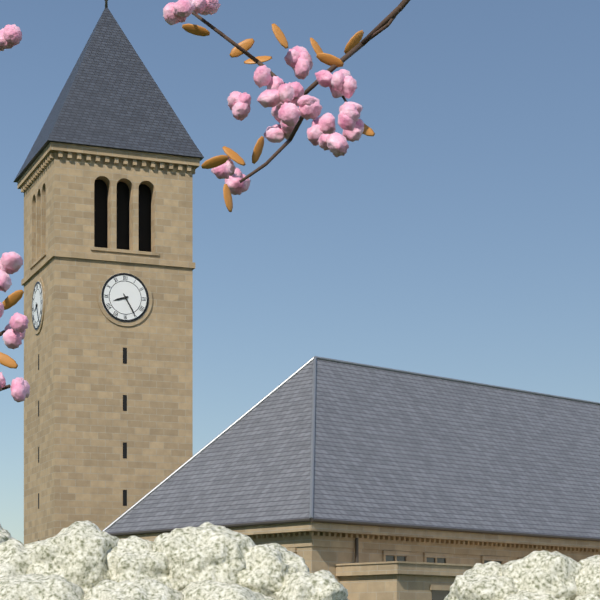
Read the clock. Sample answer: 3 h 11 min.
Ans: 8 h 25 min
